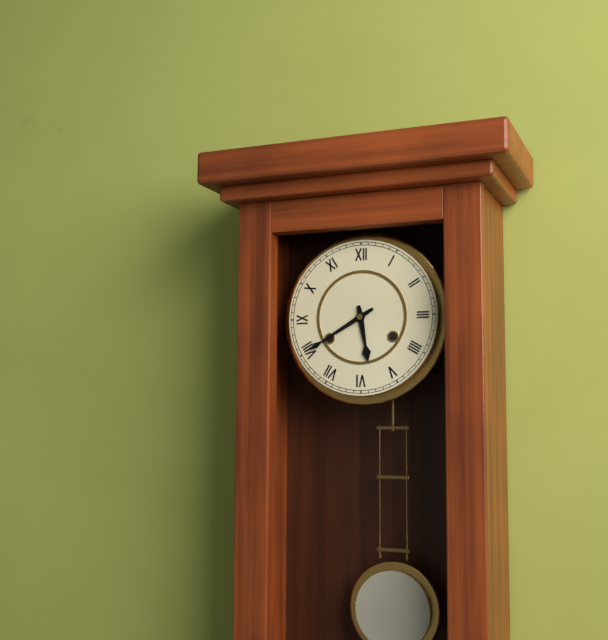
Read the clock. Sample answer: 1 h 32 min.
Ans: 5 h 40 min
